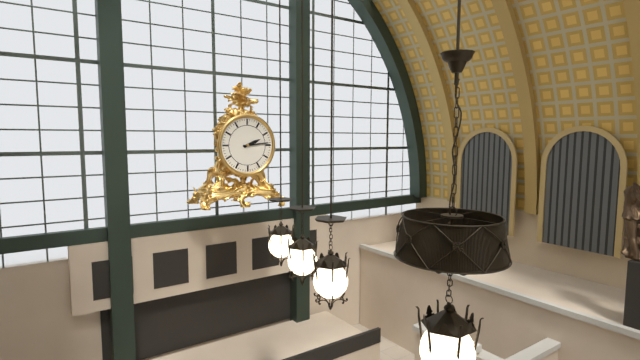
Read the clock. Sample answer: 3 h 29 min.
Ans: 2 h 14 min
